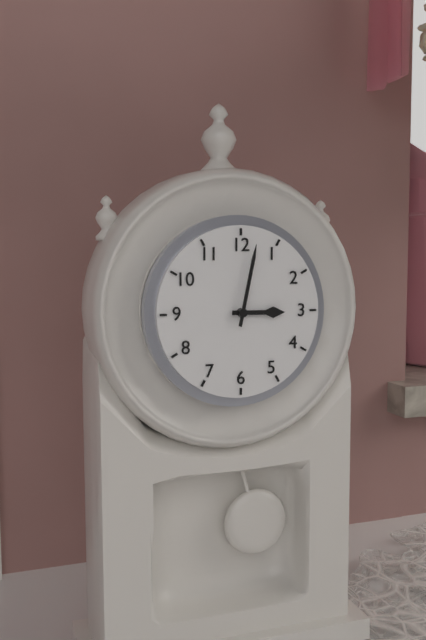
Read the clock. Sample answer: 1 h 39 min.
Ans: 3 h 02 min
